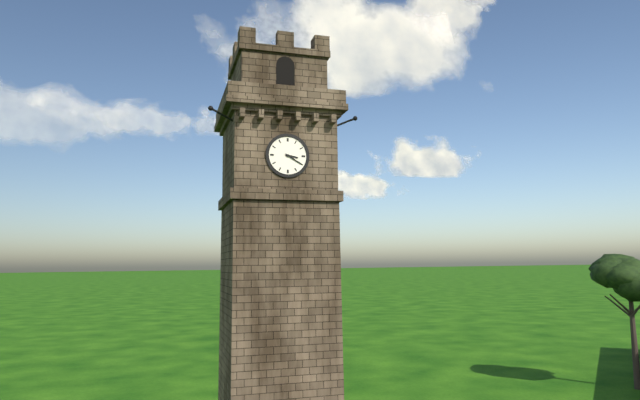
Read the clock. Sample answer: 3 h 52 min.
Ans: 3 h 20 min
